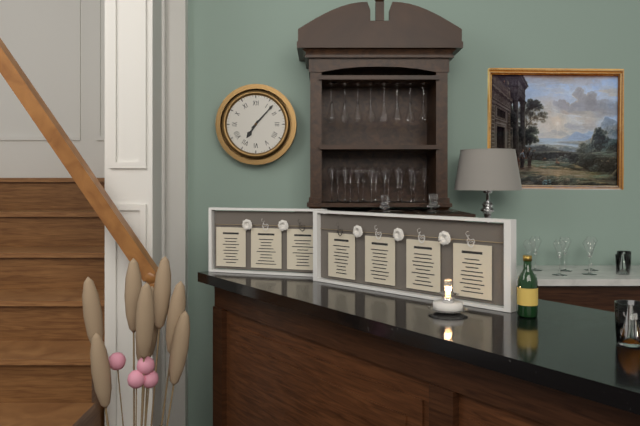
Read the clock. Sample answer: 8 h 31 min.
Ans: 7 h 07 min
